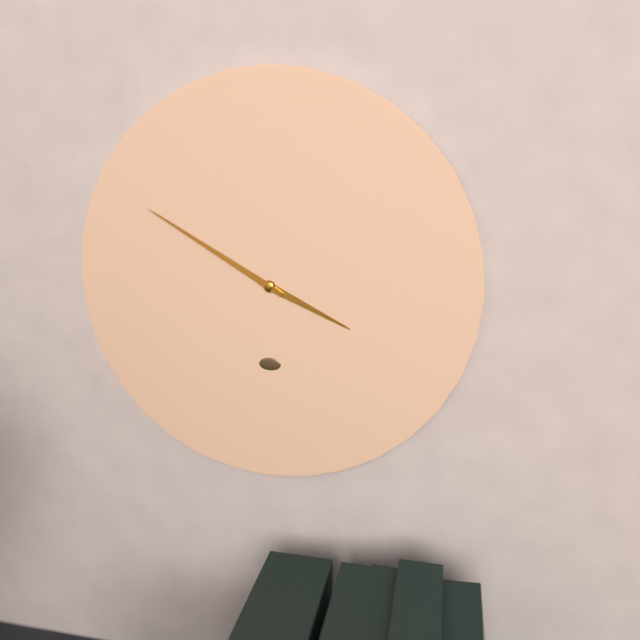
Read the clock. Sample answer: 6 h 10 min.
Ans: 3 h 50 min
